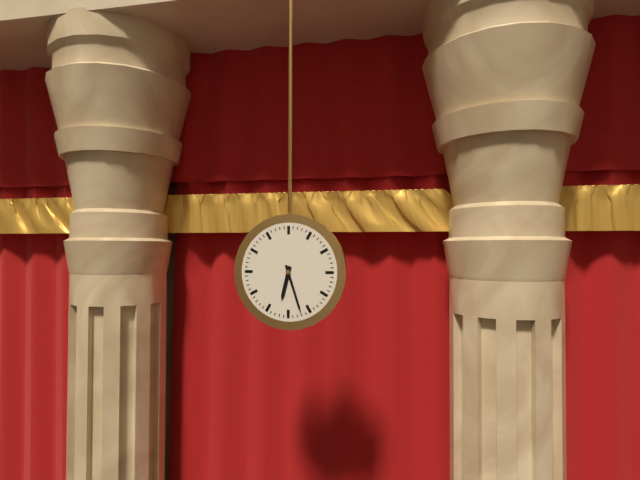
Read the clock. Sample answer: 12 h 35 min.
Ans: 6 h 27 min
